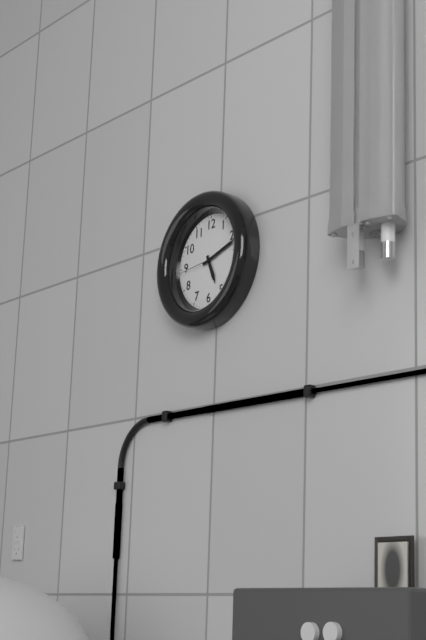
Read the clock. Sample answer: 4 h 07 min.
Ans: 5 h 12 min
